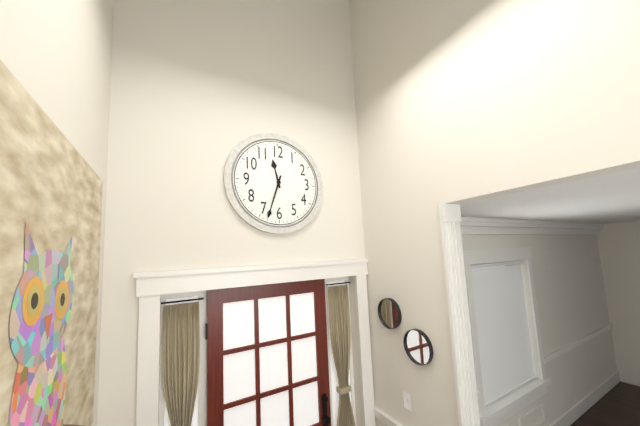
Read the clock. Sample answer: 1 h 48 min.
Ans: 11 h 33 min
